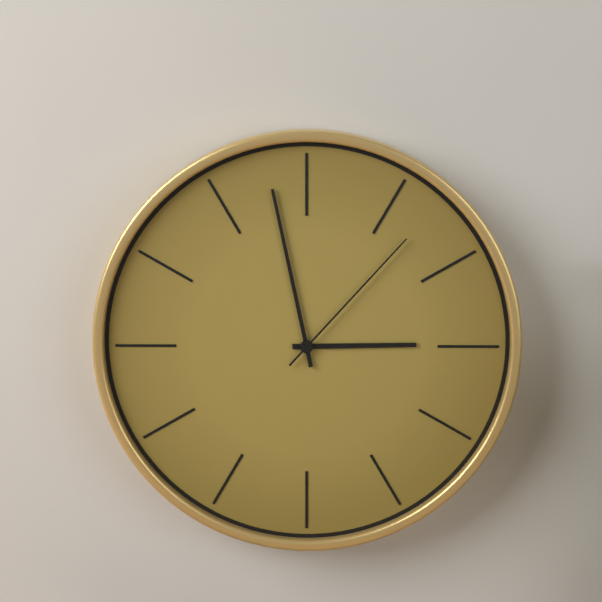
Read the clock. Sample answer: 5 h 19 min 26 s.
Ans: 2 h 58 min 07 s
